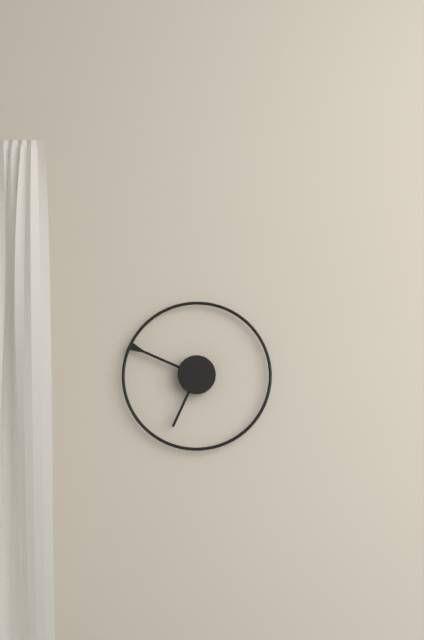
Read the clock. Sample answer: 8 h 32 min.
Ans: 6 h 49 min
